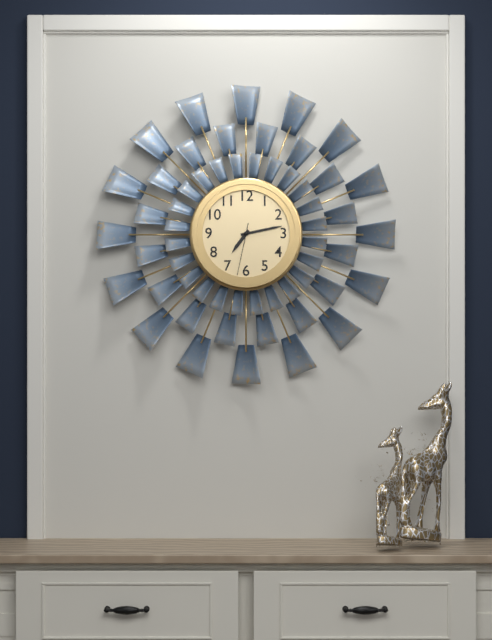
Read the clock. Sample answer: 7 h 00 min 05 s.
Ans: 7 h 13 min 32 s
